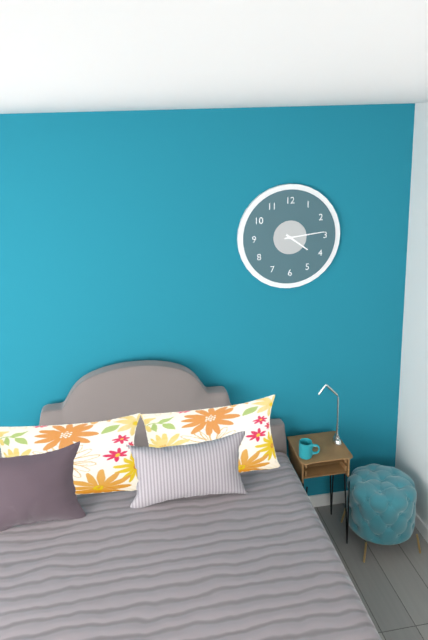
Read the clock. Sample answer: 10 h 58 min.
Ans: 4 h 14 min
